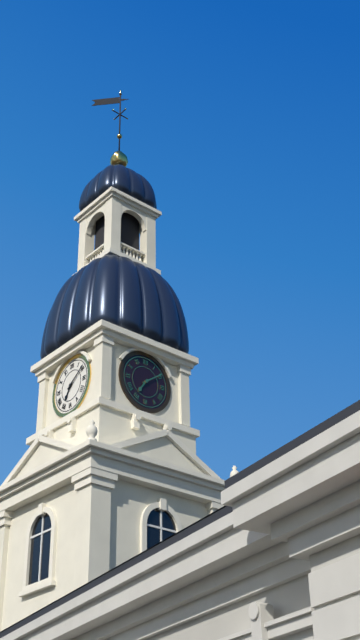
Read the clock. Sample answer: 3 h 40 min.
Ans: 7 h 09 min
